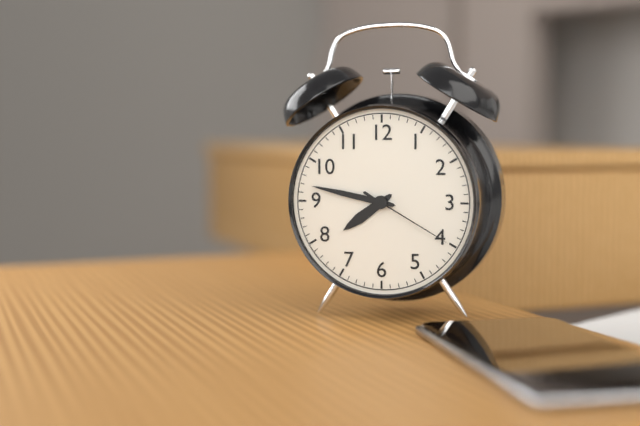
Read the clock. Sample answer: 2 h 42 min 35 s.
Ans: 7 h 47 min 20 s
